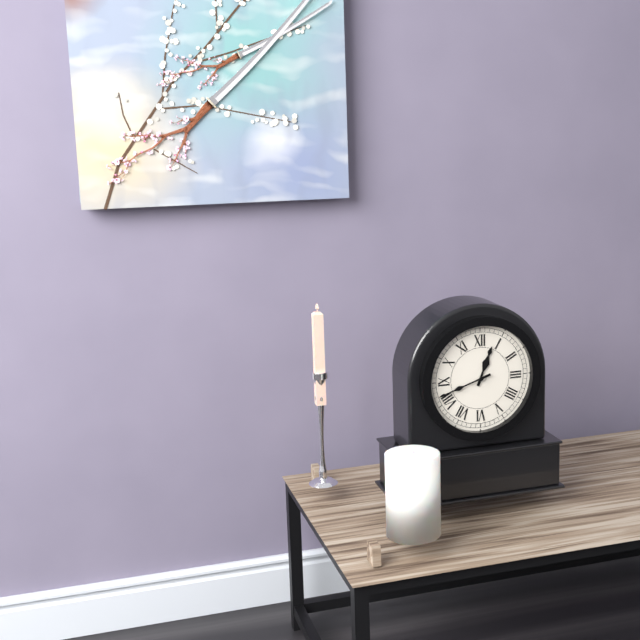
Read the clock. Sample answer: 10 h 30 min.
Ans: 12 h 42 min
